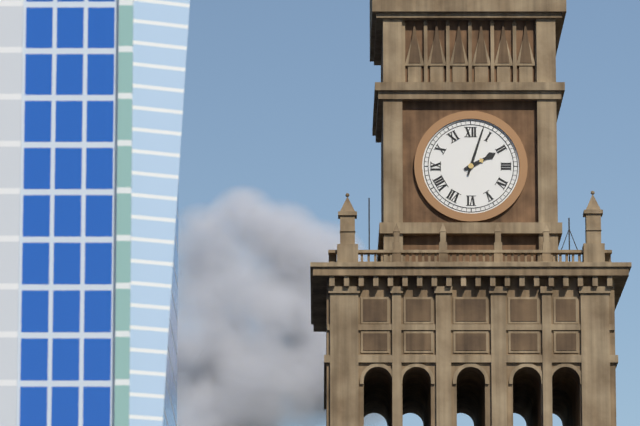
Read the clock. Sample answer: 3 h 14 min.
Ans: 2 h 03 min
